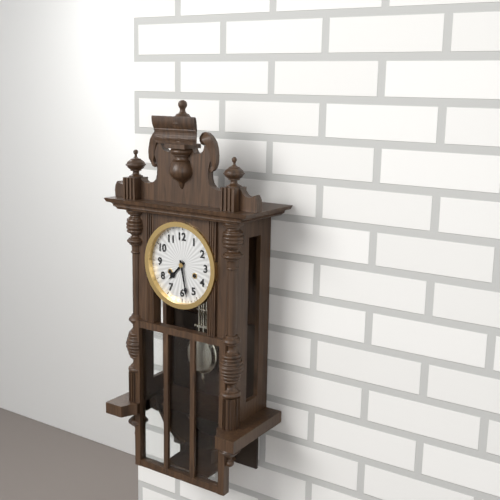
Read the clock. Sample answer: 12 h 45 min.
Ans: 7 h 28 min
